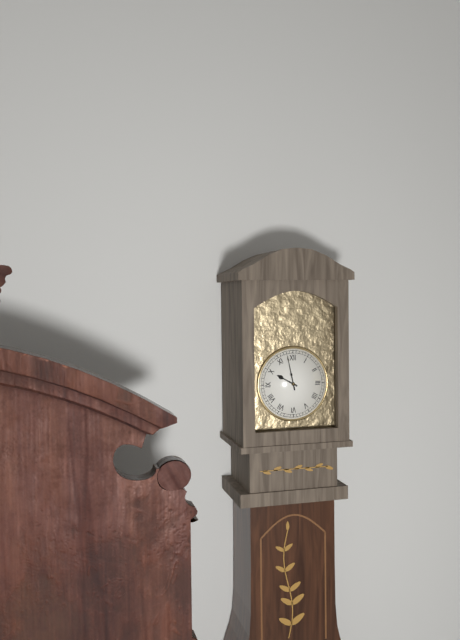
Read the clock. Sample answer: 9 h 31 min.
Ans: 9 h 58 min
